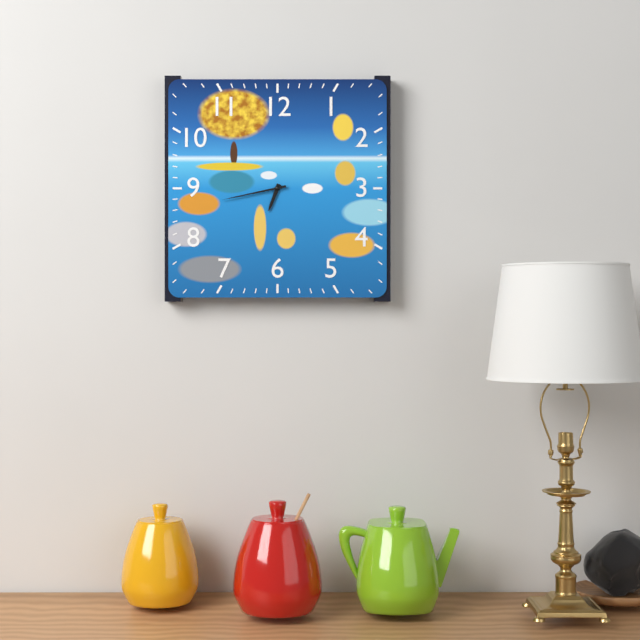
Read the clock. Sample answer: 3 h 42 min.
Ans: 6 h 43 min
